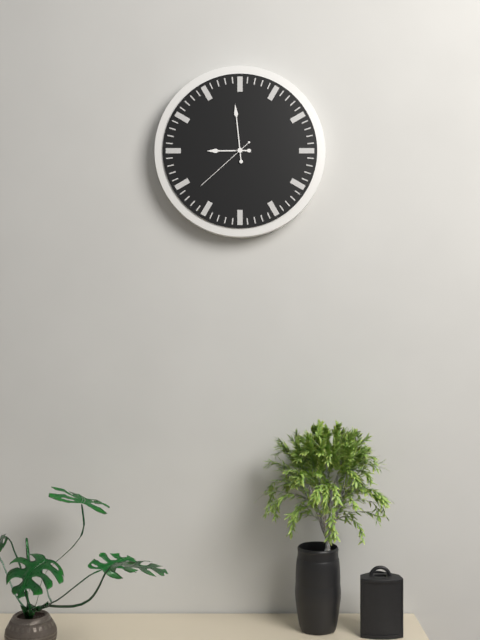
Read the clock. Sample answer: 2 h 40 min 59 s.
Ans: 8 h 59 min 38 s
